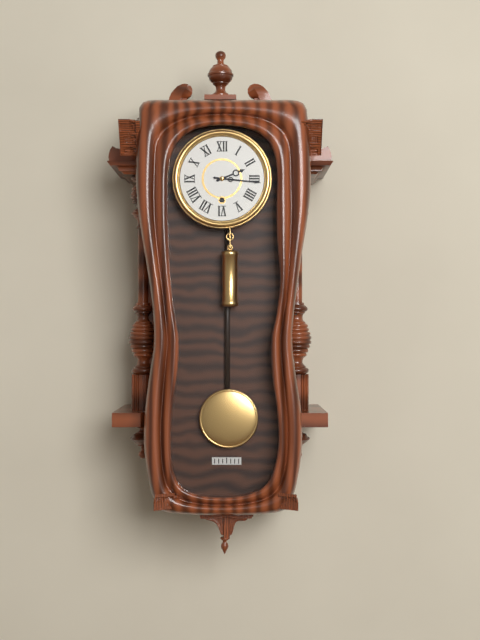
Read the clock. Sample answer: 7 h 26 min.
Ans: 2 h 16 min
